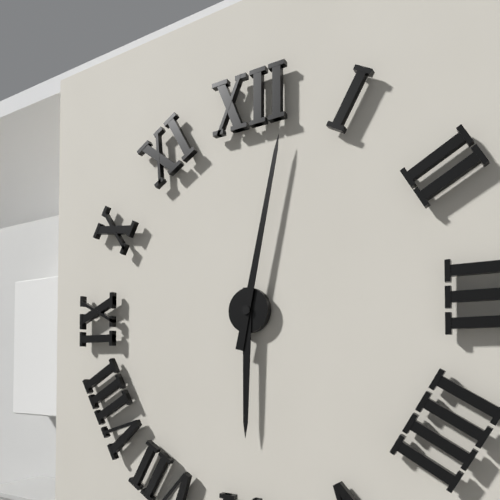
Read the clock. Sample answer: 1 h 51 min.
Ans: 6 h 02 min
